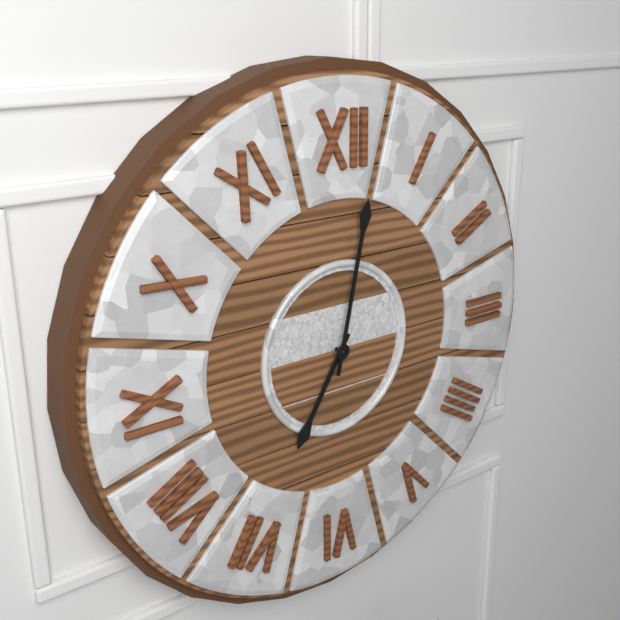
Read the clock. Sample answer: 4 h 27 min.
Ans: 7 h 02 min
